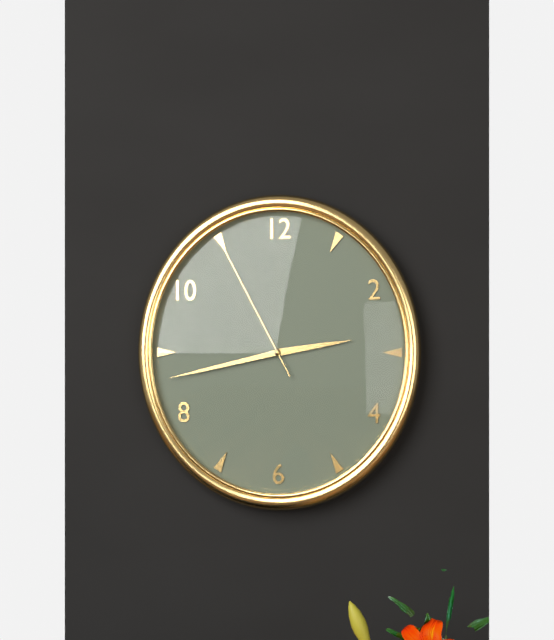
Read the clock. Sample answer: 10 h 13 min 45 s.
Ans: 2 h 43 min 55 s
